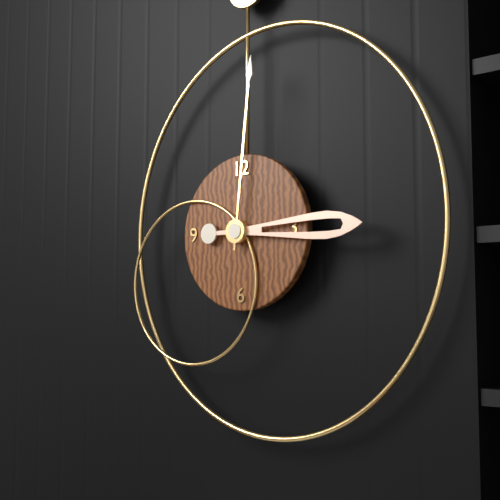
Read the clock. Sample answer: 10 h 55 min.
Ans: 3 h 01 min
